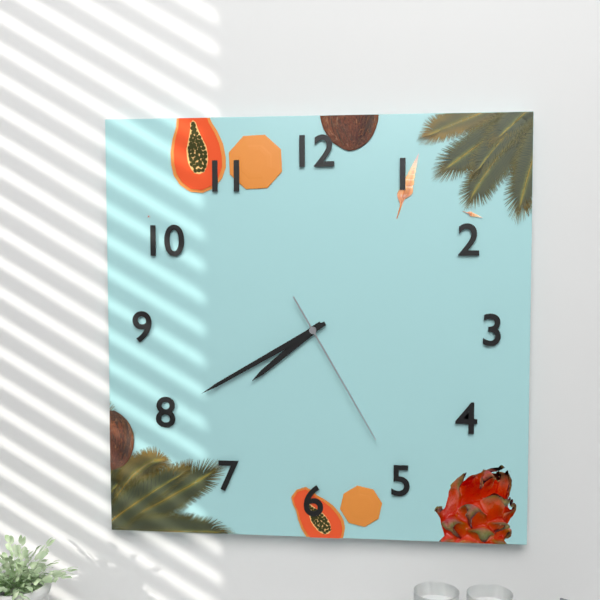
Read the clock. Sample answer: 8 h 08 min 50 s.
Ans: 7 h 40 min 25 s
